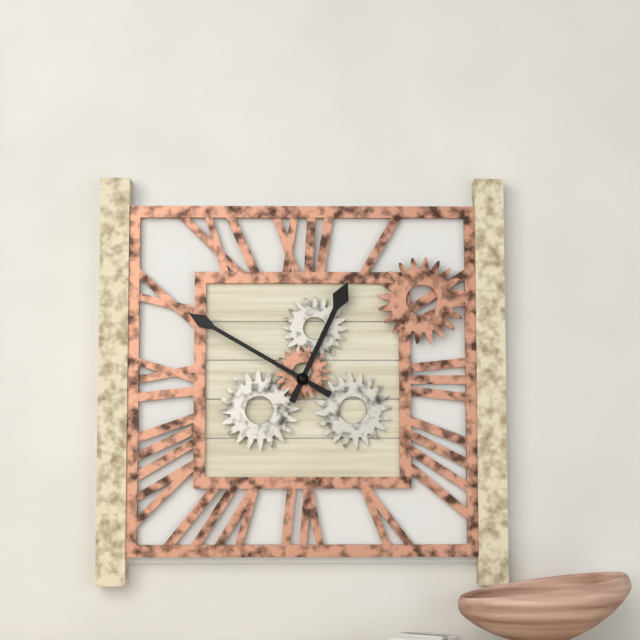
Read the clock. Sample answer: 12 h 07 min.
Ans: 12 h 50 min
